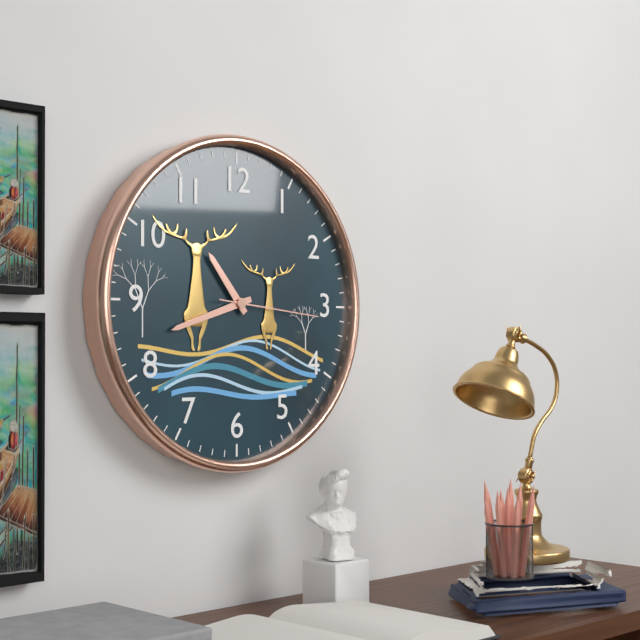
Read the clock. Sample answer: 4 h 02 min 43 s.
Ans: 10 h 42 min 16 s
